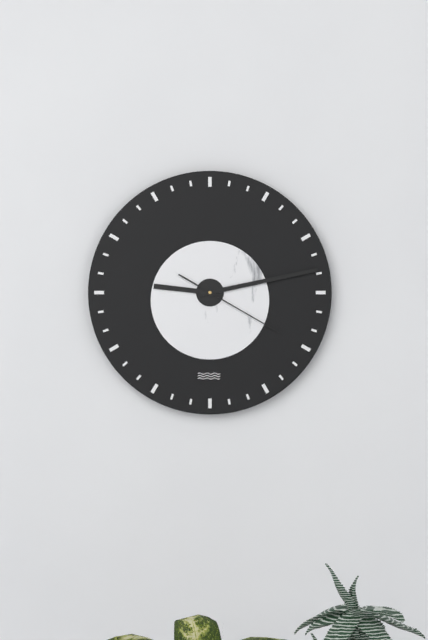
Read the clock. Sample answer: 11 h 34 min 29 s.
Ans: 9 h 13 min 20 s
